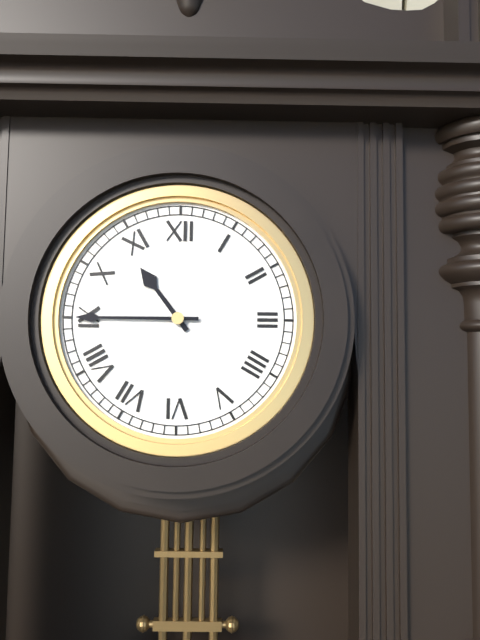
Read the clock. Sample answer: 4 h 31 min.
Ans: 10 h 45 min
